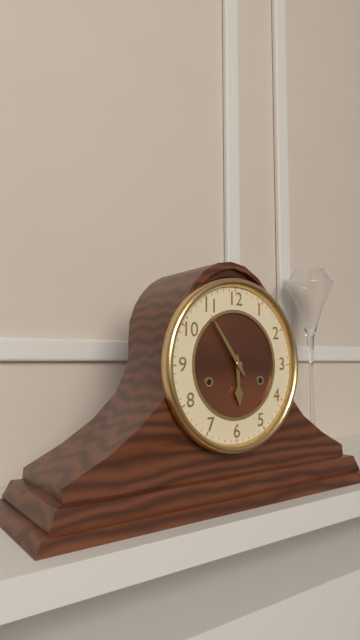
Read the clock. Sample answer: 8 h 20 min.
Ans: 5 h 54 min
